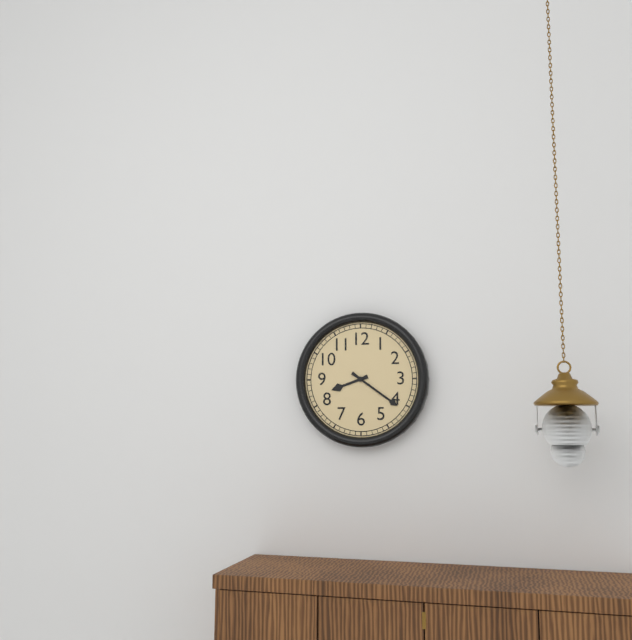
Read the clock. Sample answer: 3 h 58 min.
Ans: 8 h 21 min
